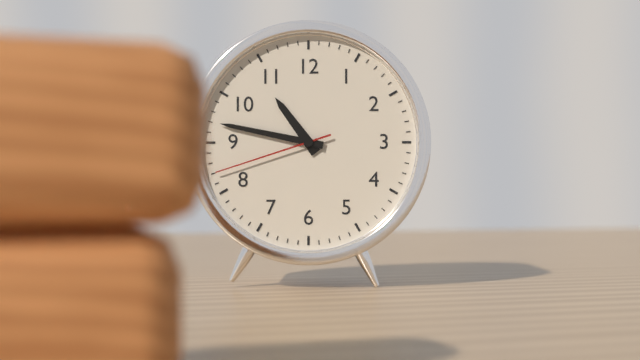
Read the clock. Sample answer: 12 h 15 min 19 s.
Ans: 10 h 47 min 42 s
